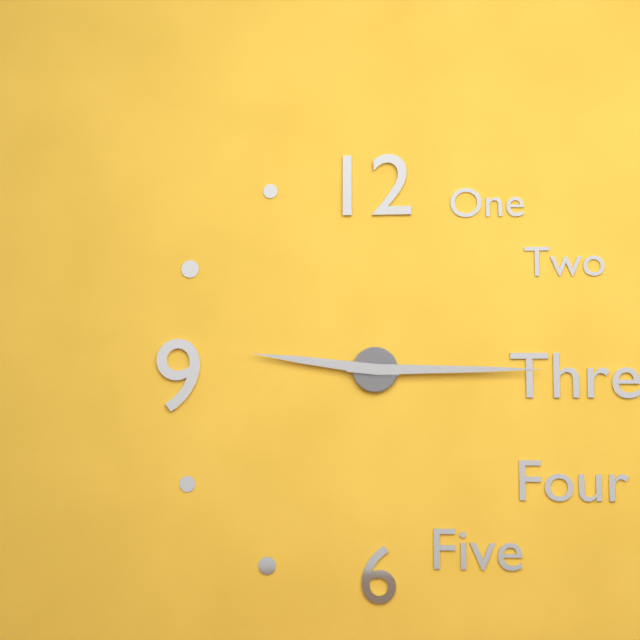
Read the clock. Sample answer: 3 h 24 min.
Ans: 9 h 15 min
